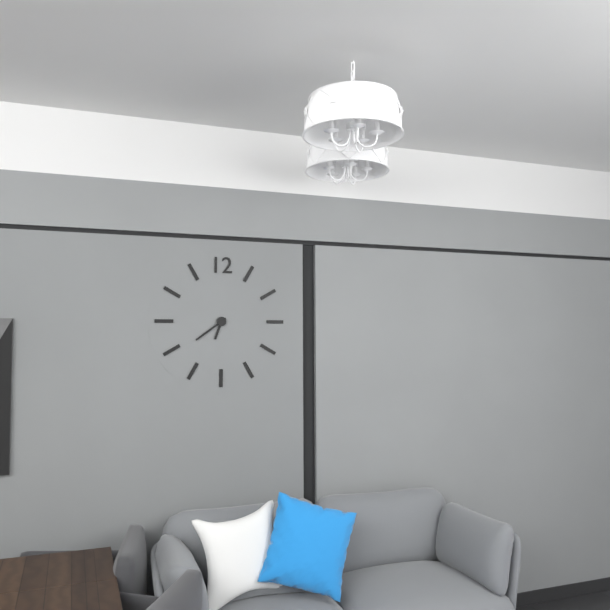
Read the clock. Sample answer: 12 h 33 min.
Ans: 6 h 39 min
